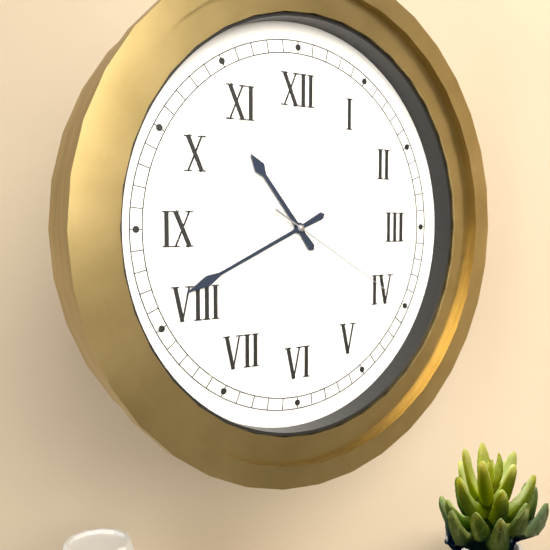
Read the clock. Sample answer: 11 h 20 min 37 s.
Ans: 10 h 41 min 20 s
